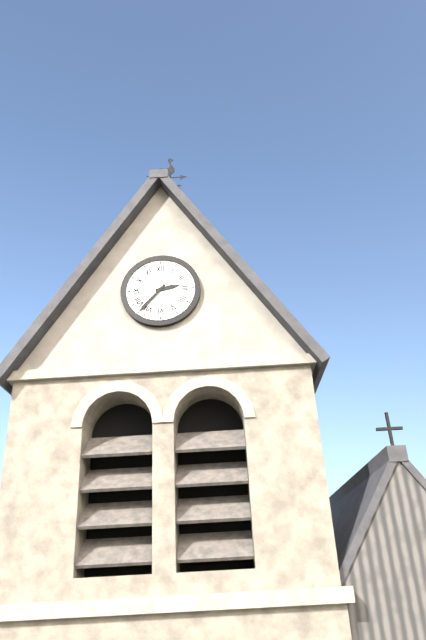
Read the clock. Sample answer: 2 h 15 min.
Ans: 2 h 37 min
